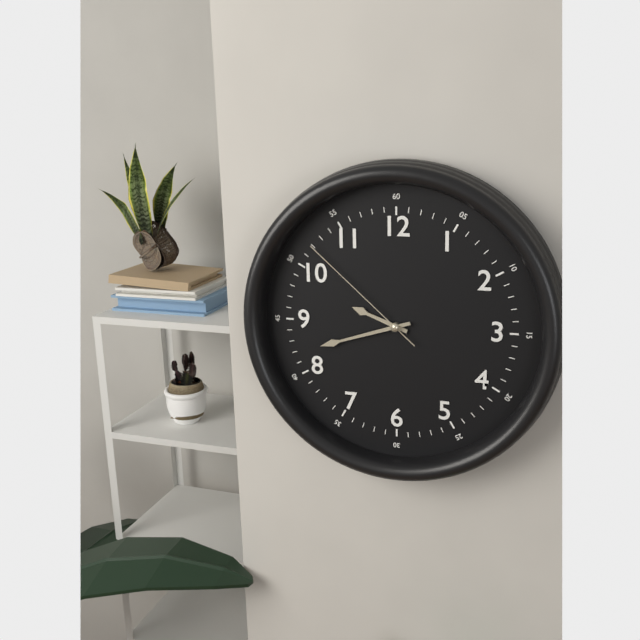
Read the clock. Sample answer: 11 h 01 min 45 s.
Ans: 9 h 42 min 52 s
